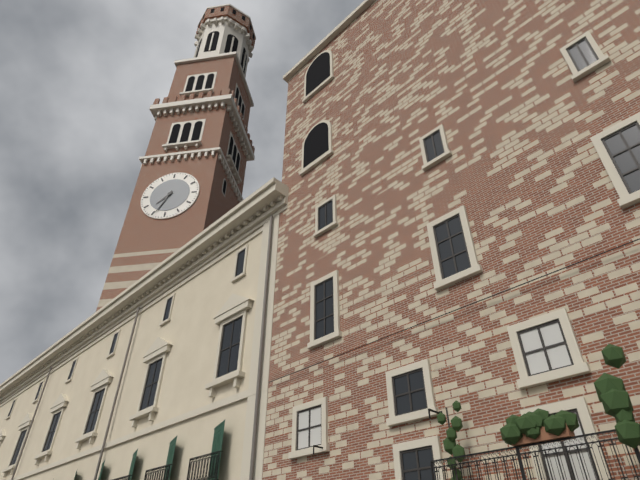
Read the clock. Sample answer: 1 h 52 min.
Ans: 7 h 34 min
